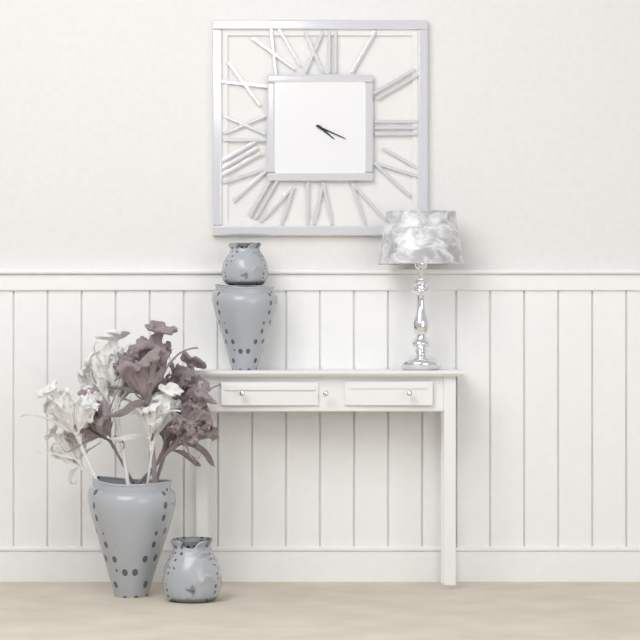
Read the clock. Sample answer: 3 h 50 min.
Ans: 4 h 19 min
